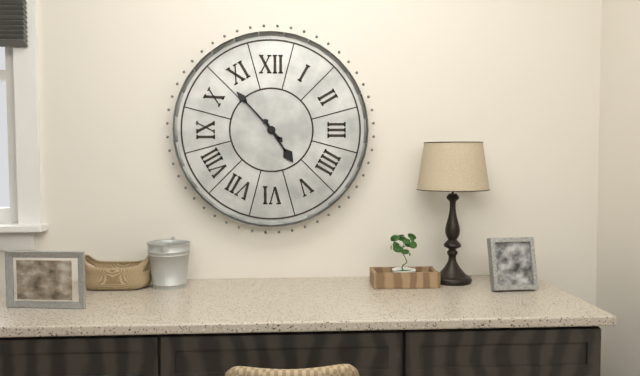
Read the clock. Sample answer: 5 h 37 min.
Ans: 4 h 53 min
